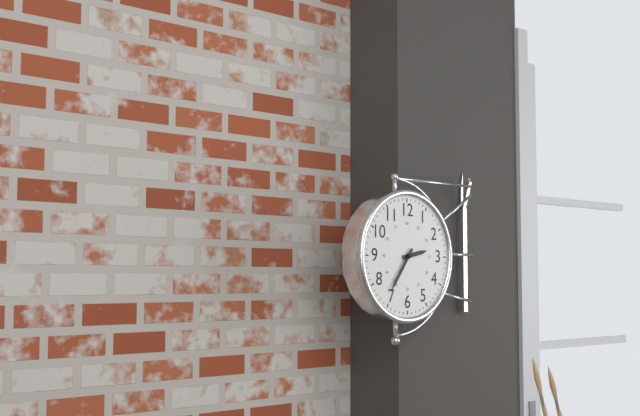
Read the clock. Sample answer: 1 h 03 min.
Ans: 2 h 36 min
